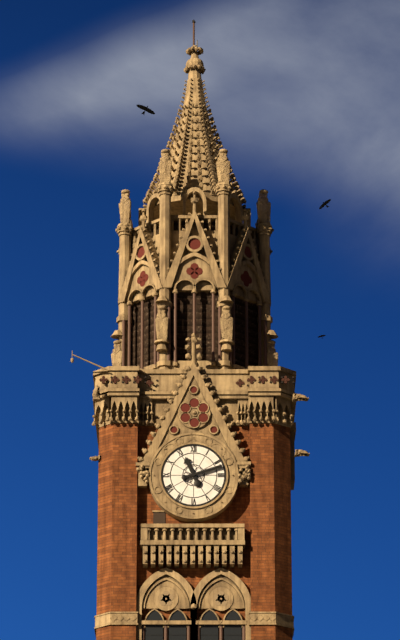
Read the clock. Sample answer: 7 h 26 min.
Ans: 11 h 12 min
